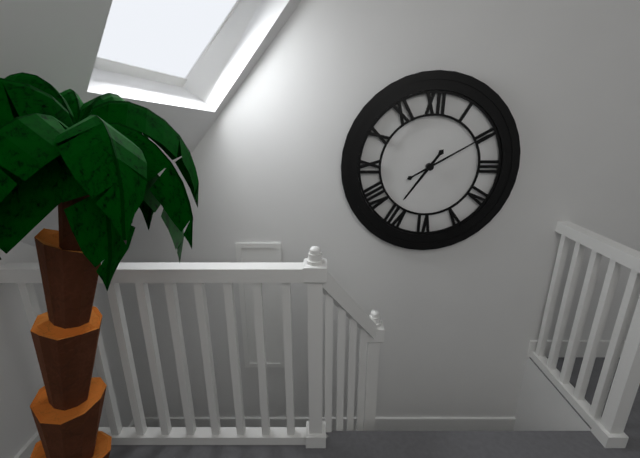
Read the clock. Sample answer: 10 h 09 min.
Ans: 7 h 10 min
